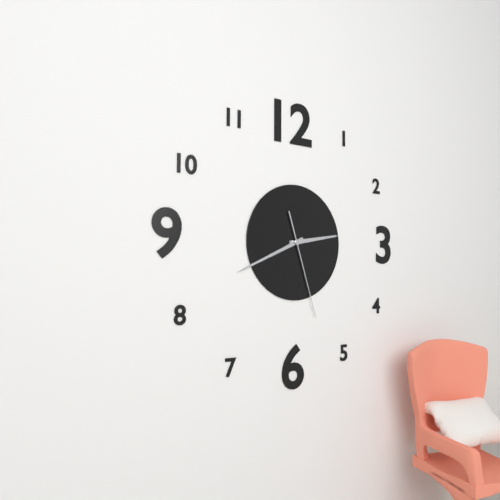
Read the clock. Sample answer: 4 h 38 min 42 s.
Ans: 2 h 41 min 27 s
